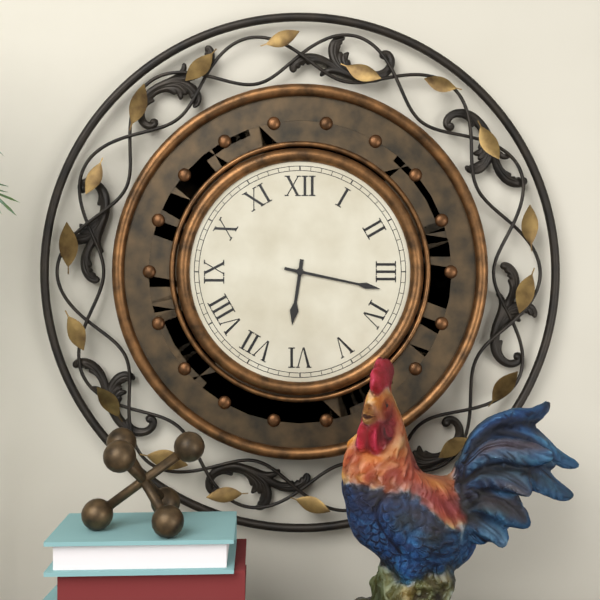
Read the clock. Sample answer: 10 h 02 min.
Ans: 6 h 17 min
